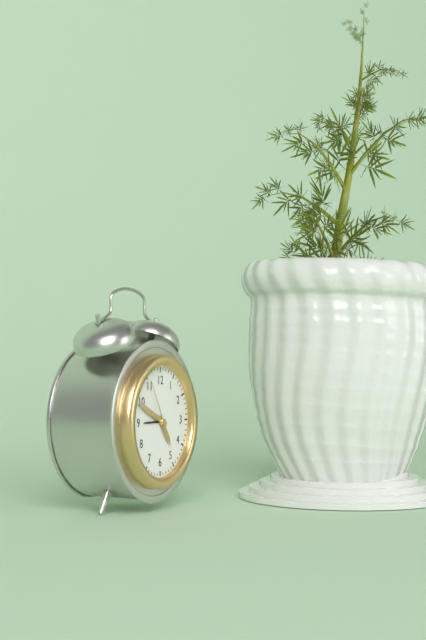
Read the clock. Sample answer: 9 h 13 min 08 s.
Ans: 4 h 49 min 55 s
